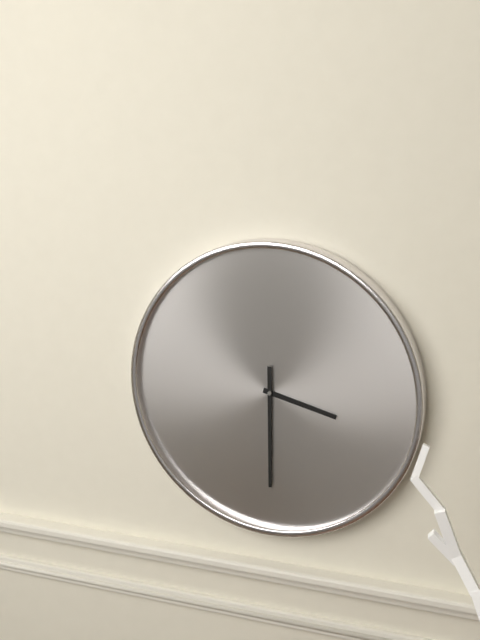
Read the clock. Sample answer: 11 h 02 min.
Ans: 3 h 30 min
